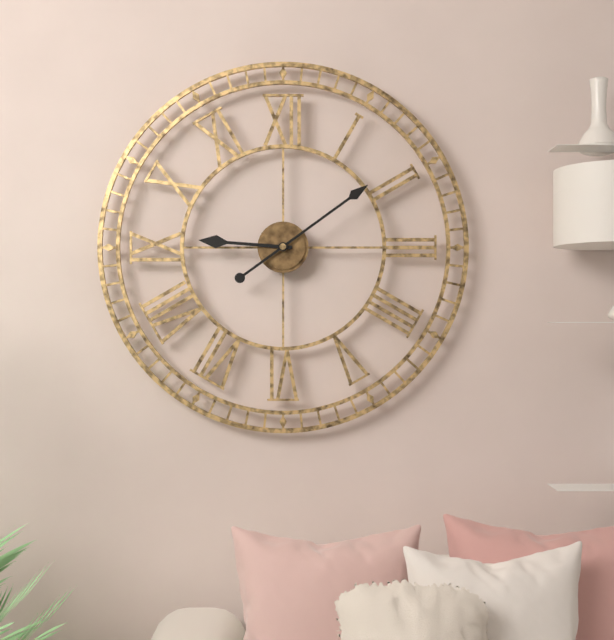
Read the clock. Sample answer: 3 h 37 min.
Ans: 9 h 09 min
